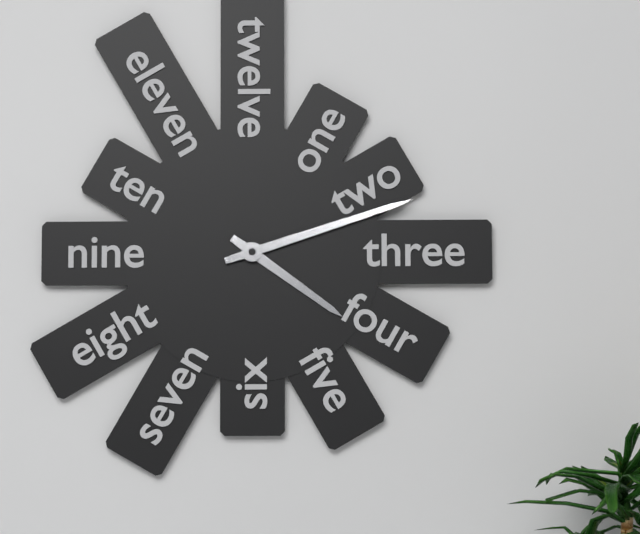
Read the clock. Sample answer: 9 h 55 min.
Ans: 4 h 12 min
